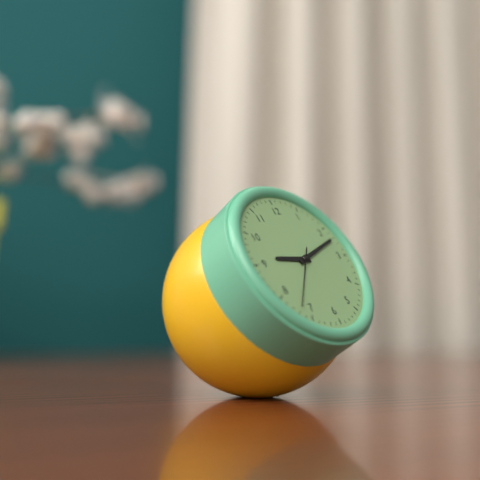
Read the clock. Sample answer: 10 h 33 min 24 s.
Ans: 9 h 12 min 37 s
